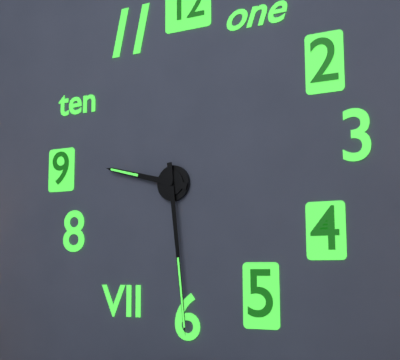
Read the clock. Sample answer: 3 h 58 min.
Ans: 9 h 29 min
